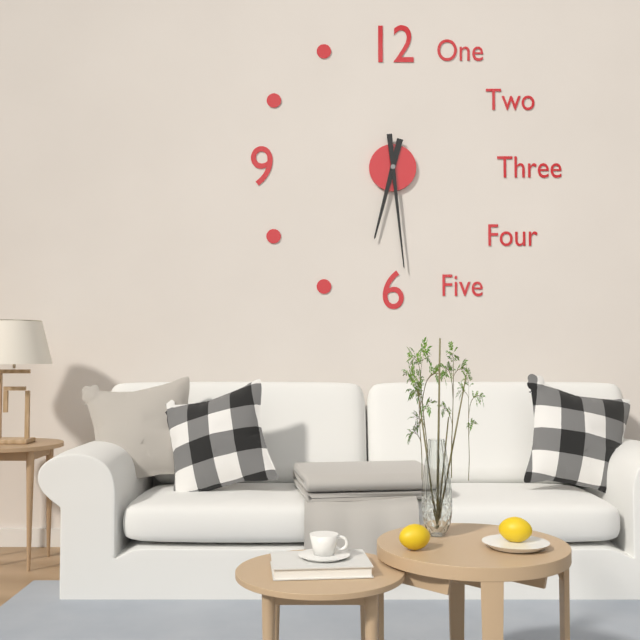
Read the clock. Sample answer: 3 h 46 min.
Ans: 6 h 29 min
